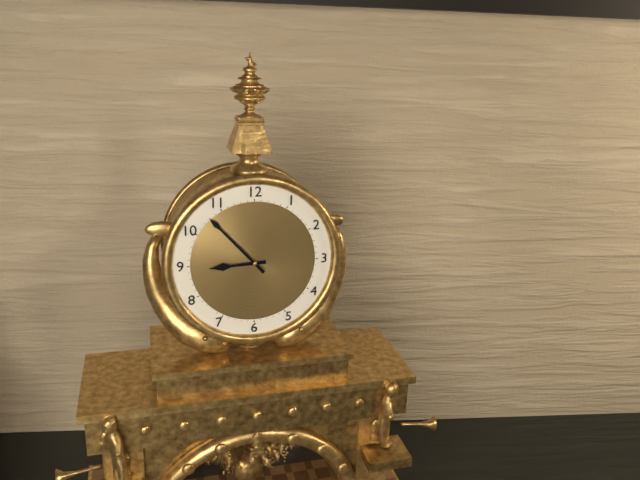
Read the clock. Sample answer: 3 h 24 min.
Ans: 8 h 53 min
